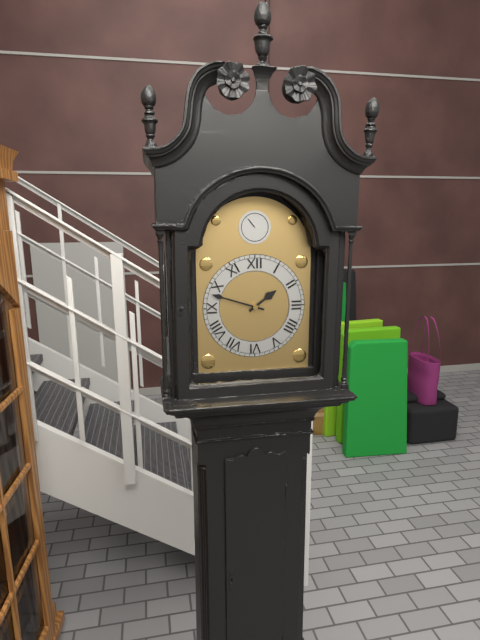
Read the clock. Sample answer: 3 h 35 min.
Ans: 1 h 48 min
